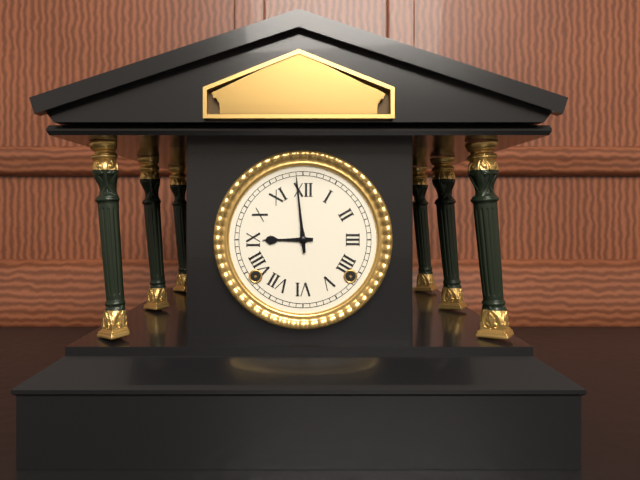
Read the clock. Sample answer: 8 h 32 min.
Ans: 8 h 59 min
